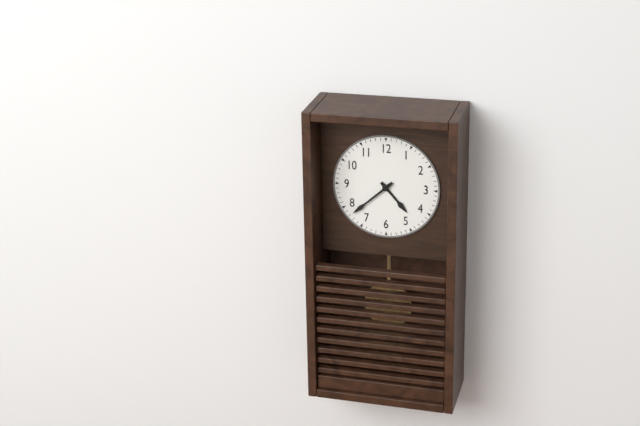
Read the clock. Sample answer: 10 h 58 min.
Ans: 4 h 38 min
